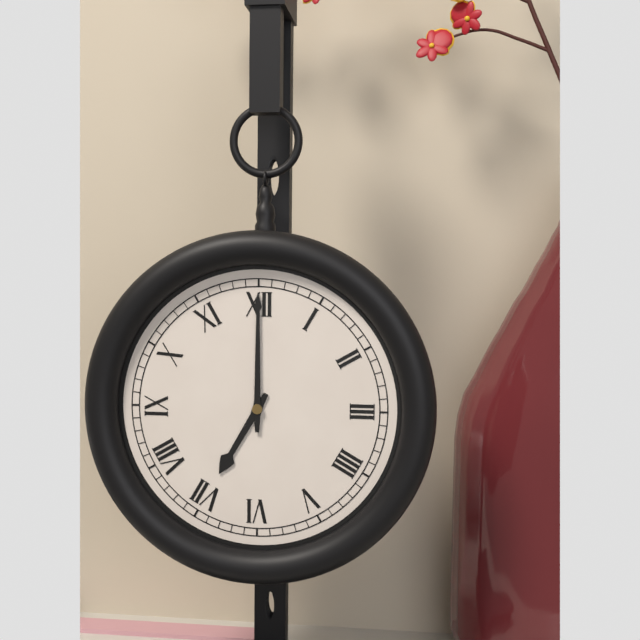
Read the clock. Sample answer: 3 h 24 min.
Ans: 7 h 00 min
